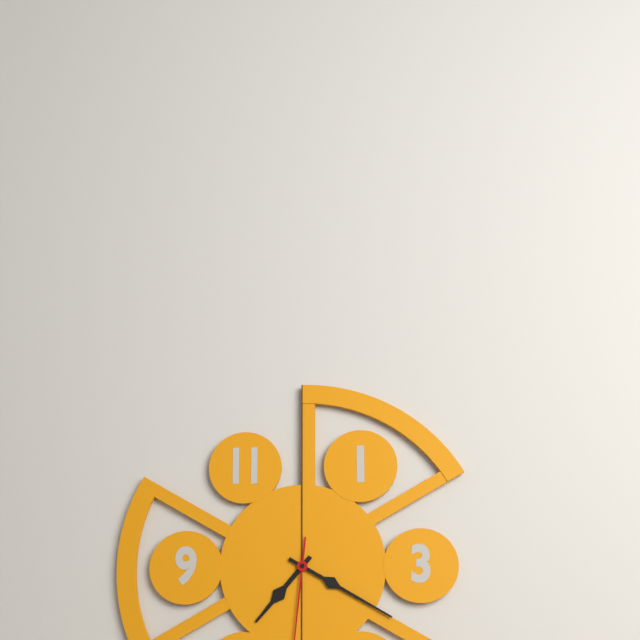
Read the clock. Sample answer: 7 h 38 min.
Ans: 7 h 20 min
